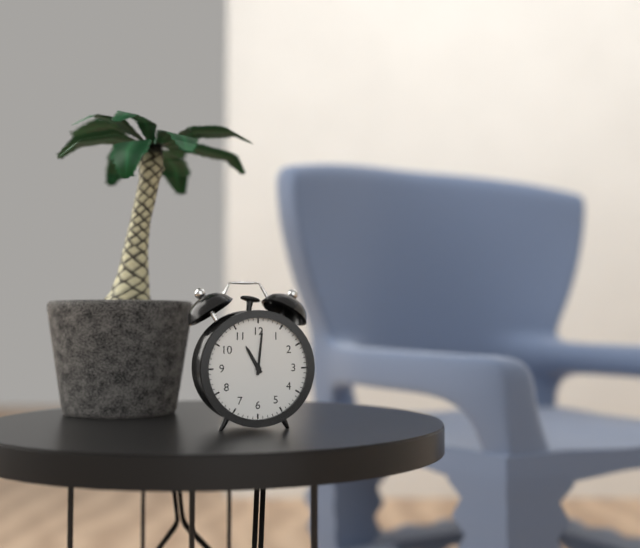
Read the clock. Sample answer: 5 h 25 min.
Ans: 11 h 01 min
